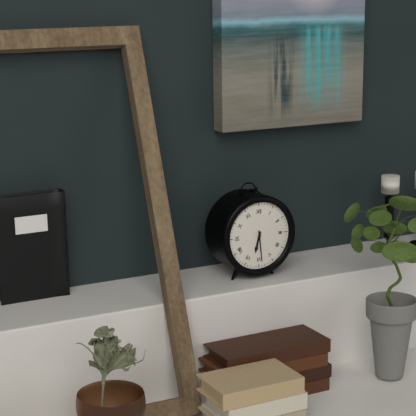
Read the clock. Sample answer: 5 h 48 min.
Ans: 6 h 29 min
